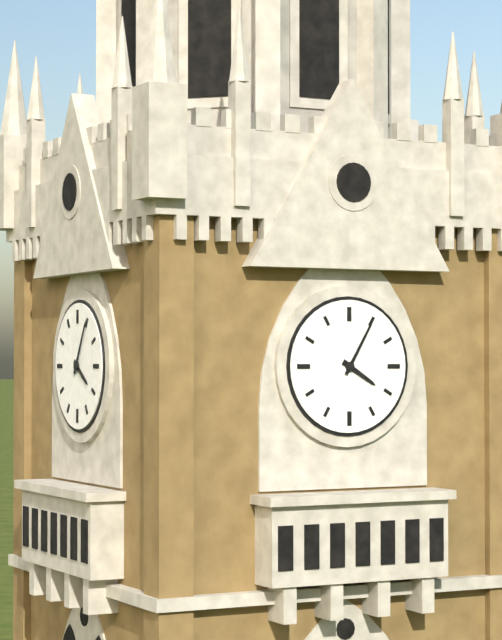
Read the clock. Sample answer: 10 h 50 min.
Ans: 4 h 05 min
